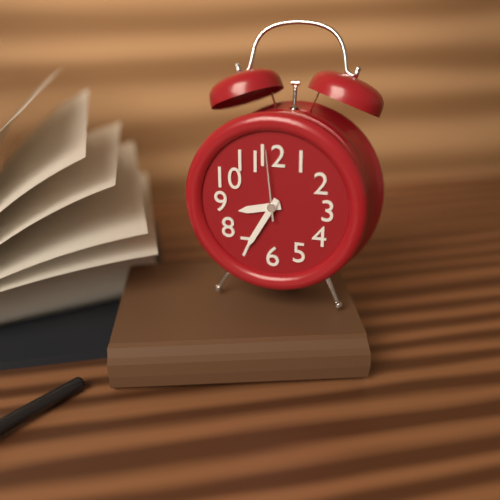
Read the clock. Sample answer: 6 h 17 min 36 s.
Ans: 8 h 35 min 59 s
